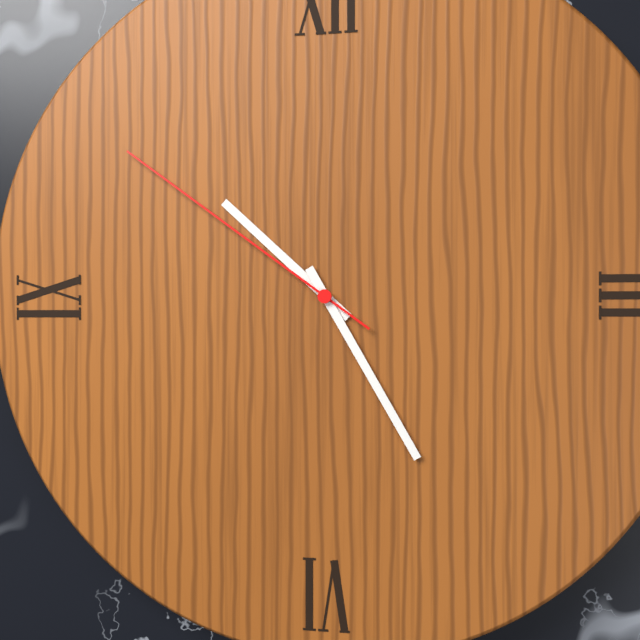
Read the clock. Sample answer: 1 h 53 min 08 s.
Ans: 10 h 25 min 51 s
